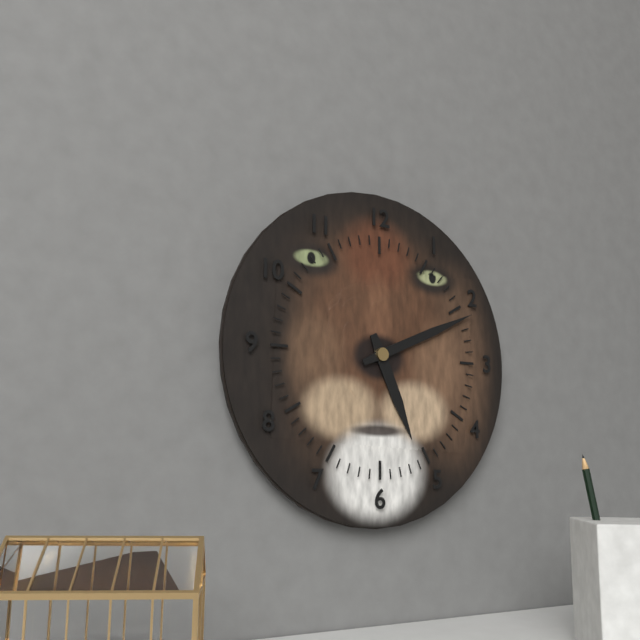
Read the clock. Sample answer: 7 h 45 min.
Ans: 5 h 11 min
